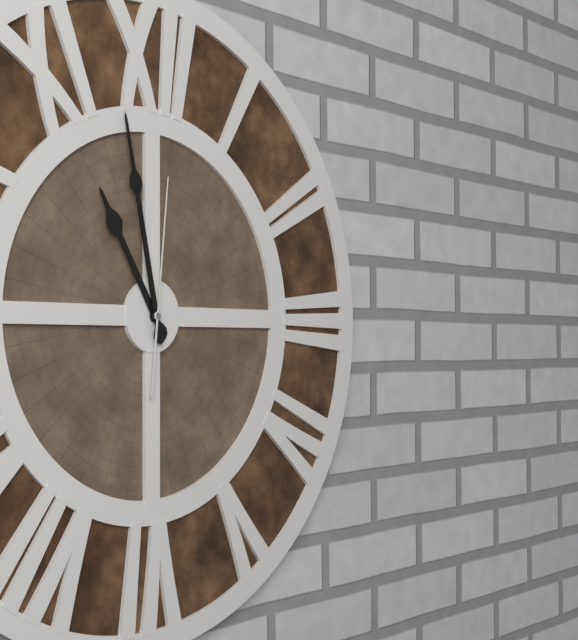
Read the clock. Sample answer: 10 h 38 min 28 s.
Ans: 10 h 58 min 01 s
